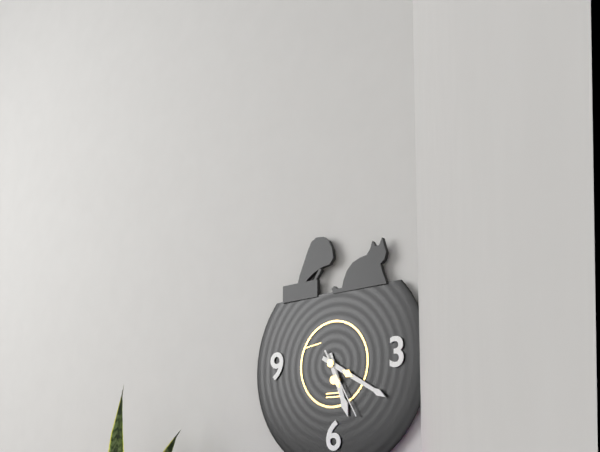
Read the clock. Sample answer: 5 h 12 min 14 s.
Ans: 5 h 20 min 25 s
